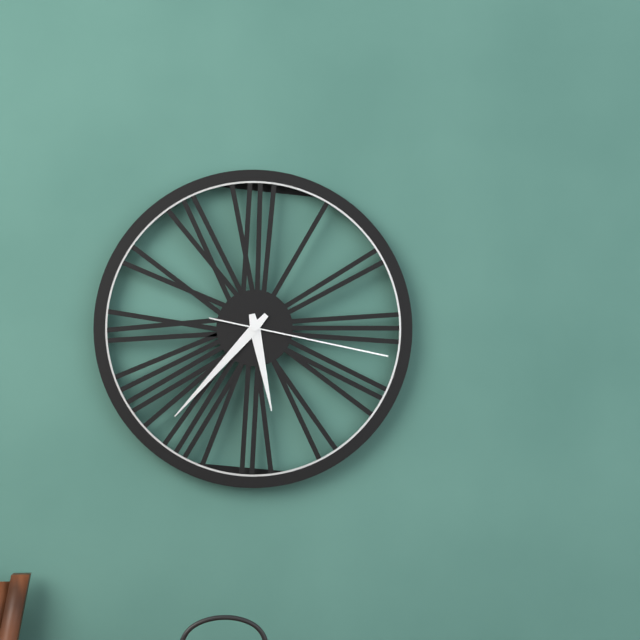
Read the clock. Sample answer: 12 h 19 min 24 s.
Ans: 5 h 37 min 17 s
